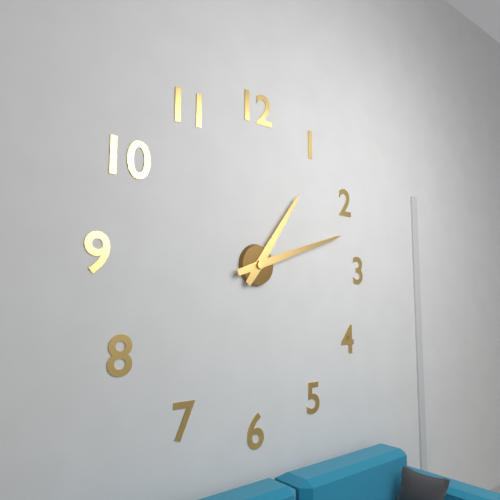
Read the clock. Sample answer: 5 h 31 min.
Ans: 1 h 12 min
